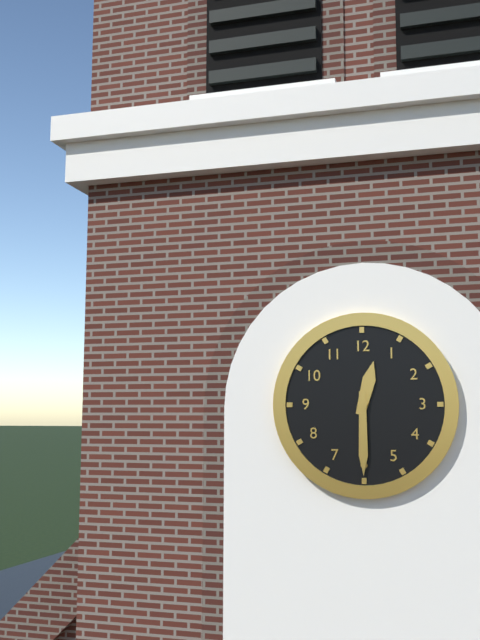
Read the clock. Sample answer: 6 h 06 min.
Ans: 12 h 30 min
